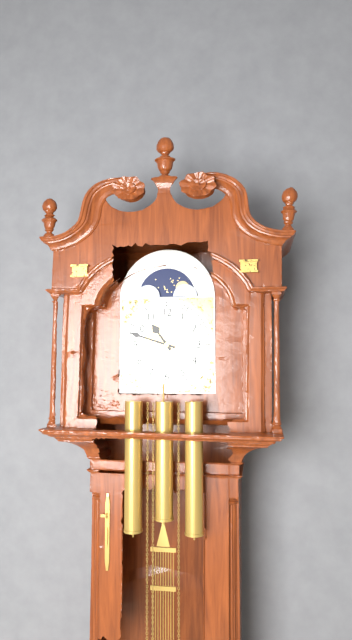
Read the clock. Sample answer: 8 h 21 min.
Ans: 10 h 48 min
